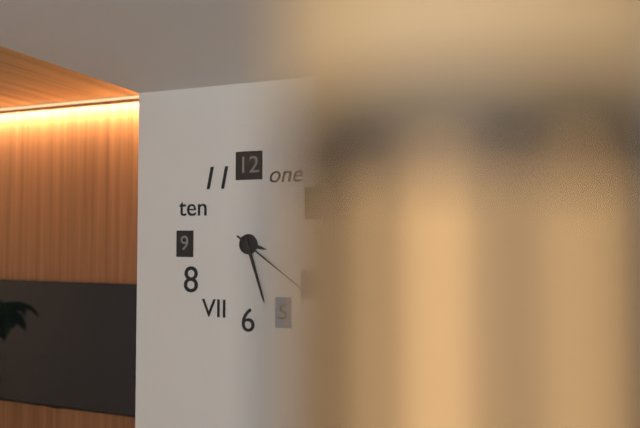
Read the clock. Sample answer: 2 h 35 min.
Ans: 3 h 27 min
